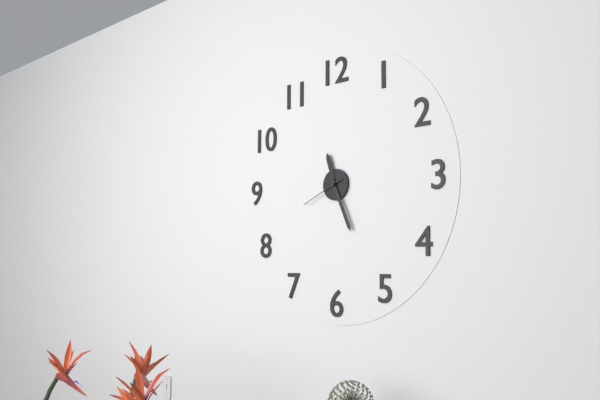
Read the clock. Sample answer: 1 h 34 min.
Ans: 11 h 26 min
